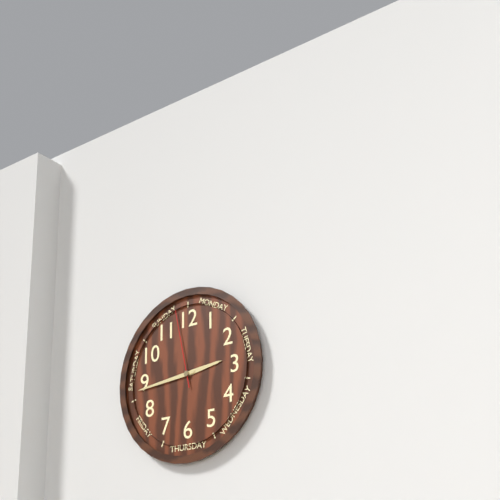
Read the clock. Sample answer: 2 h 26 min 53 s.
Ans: 2 h 44 min 58 s
